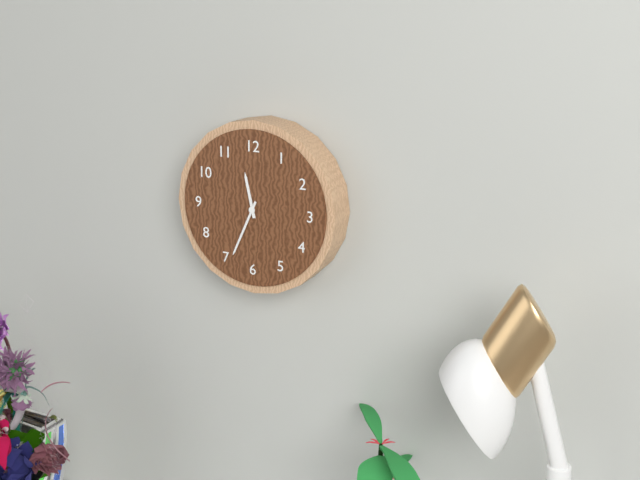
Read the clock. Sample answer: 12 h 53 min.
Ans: 11 h 34 min
